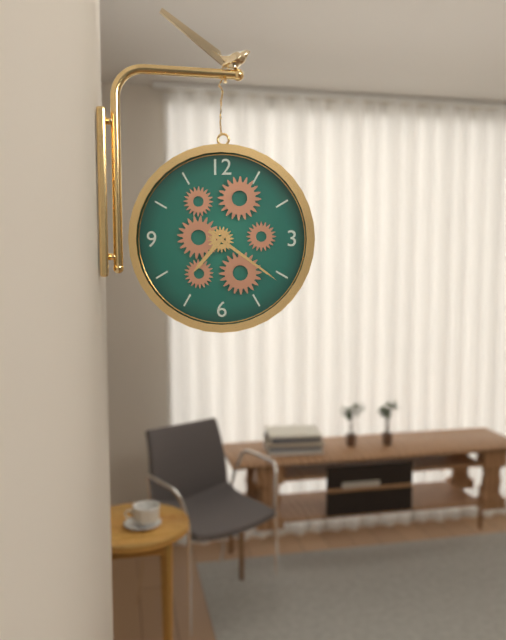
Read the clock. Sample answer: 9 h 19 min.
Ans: 7 h 21 min
